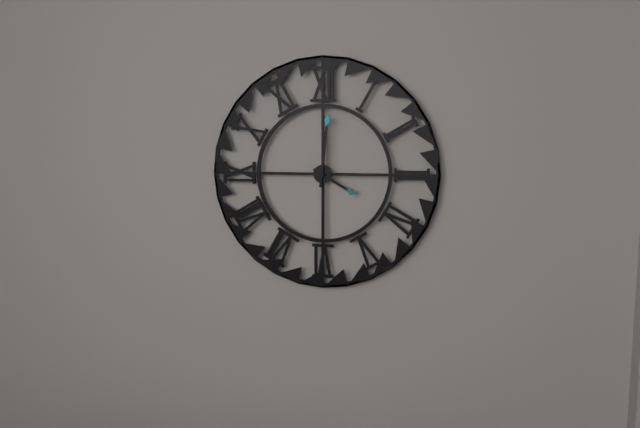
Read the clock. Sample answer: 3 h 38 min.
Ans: 4 h 01 min
